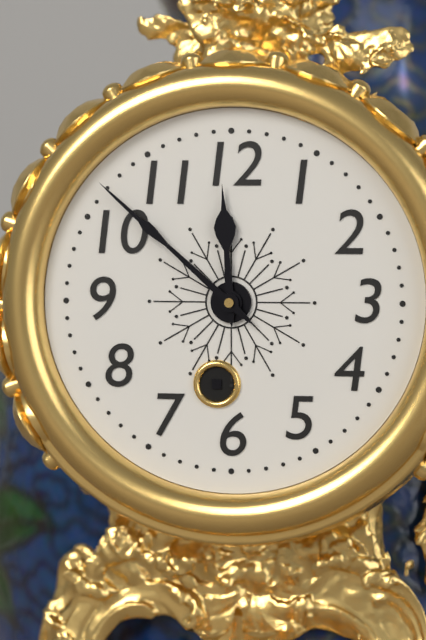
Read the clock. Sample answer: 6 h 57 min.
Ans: 11 h 52 min
